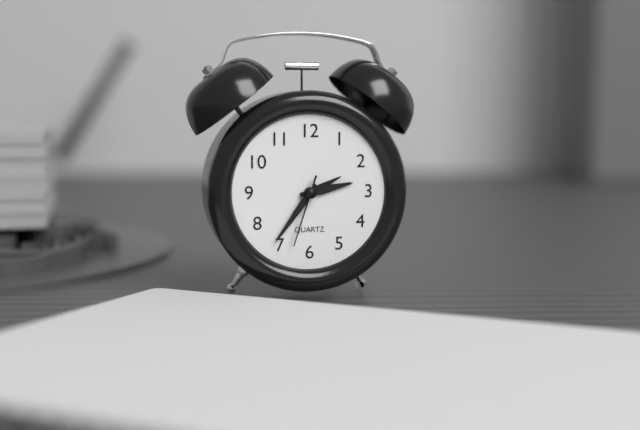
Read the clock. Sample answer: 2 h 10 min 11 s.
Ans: 2 h 36 min 33 s
